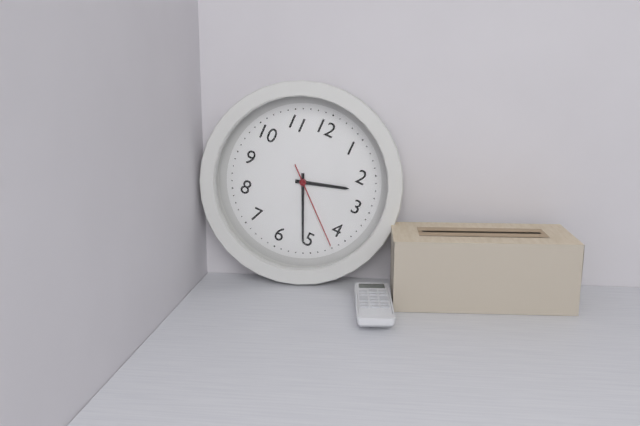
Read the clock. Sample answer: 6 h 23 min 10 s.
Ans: 2 h 26 min 22 s
